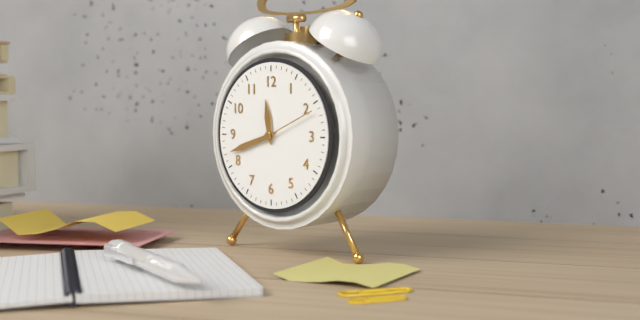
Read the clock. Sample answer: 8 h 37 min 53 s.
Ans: 11 h 42 min 11 s
